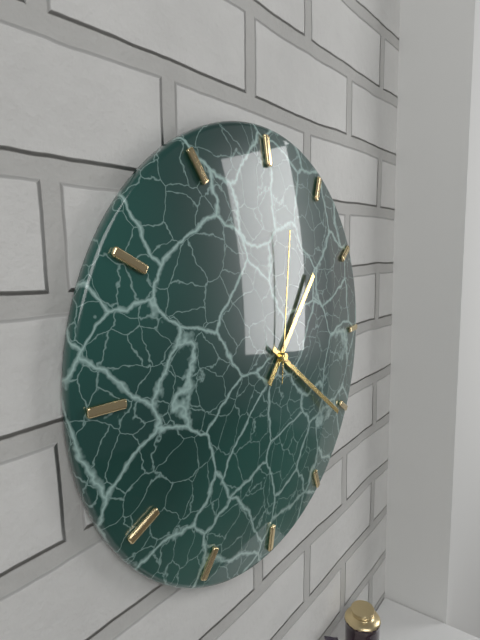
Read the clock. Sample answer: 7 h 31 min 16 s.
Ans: 1 h 21 min 01 s
